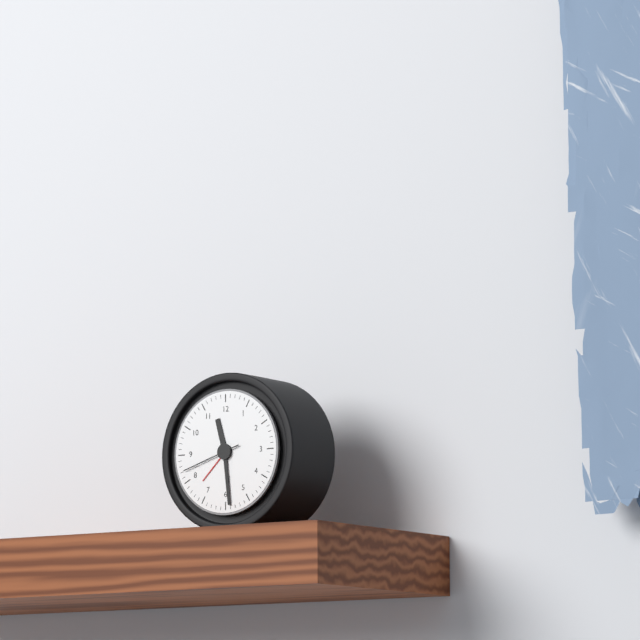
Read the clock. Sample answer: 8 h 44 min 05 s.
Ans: 11 h 29 min 42 s
